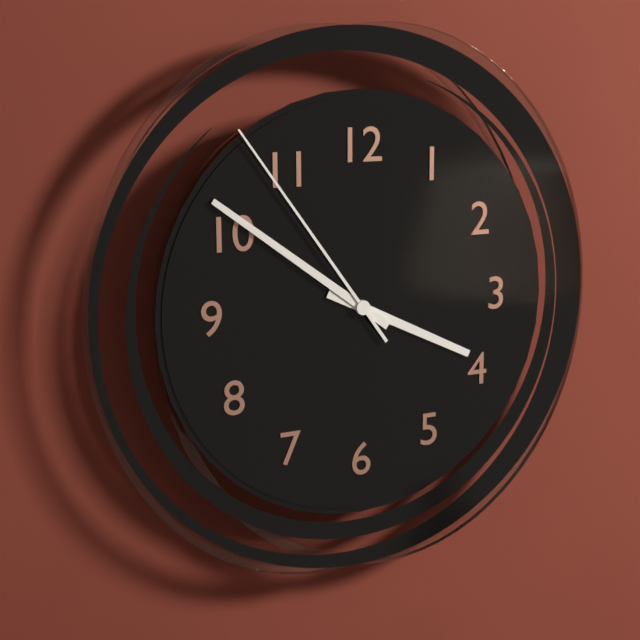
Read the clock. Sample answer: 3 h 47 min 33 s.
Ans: 3 h 51 min 54 s
